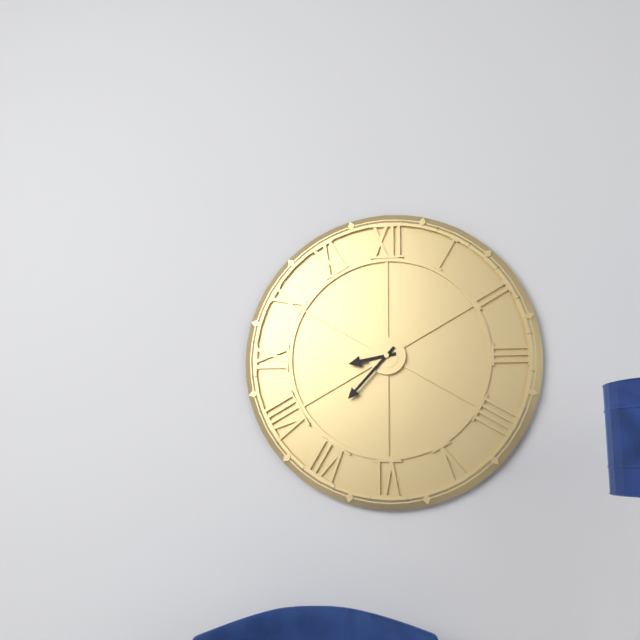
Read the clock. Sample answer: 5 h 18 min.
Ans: 8 h 37 min
